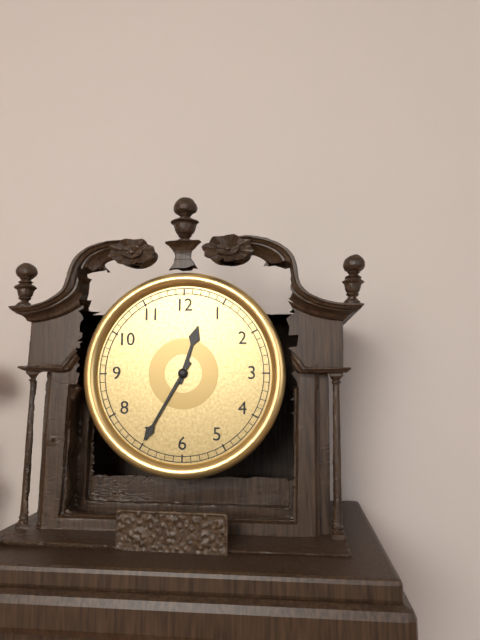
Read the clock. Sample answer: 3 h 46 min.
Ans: 12 h 35 min
